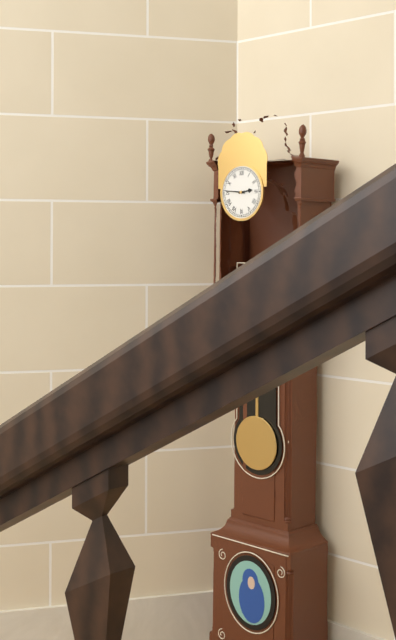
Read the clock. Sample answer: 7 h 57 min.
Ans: 2 h 46 min
